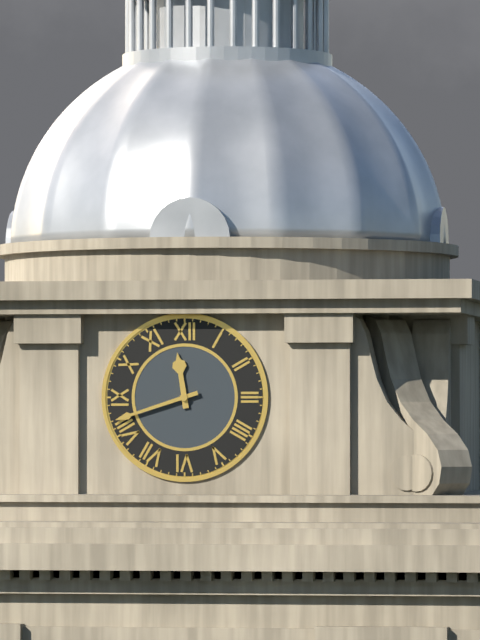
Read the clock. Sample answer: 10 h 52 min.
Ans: 11 h 42 min
